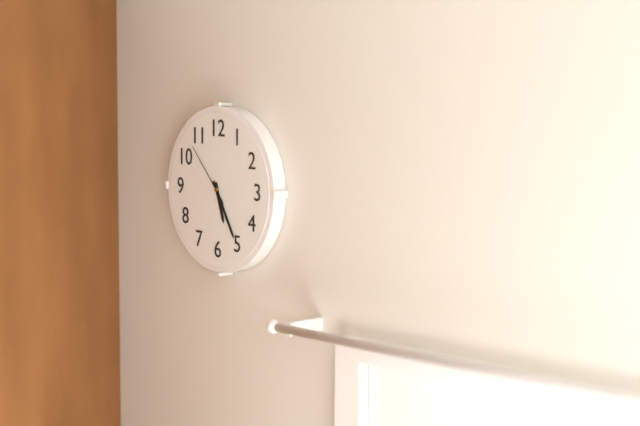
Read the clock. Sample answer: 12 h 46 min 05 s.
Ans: 5 h 25 min 53 s
